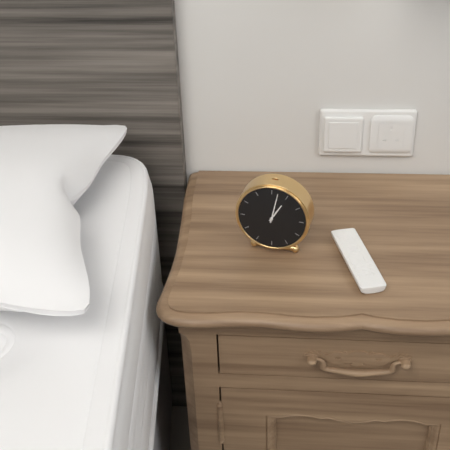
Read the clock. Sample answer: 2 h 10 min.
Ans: 1 h 02 min
